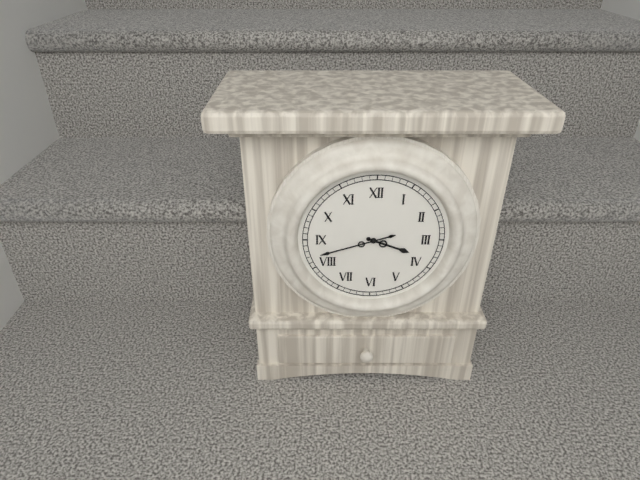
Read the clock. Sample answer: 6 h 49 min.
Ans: 3 h 42 min
